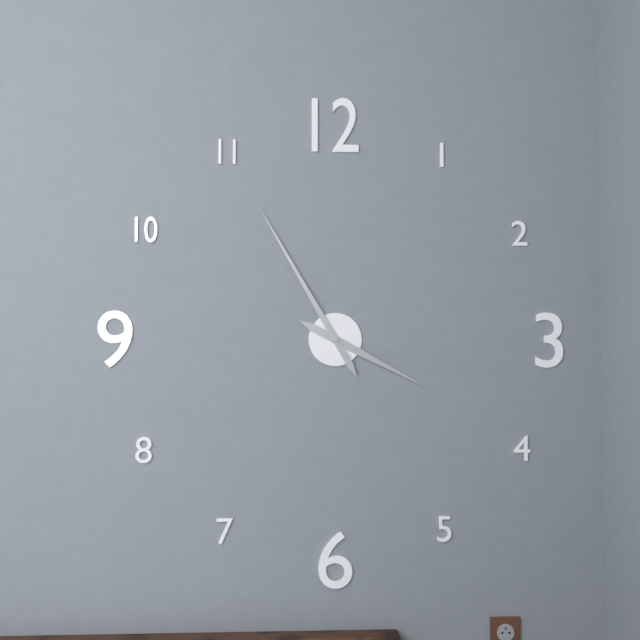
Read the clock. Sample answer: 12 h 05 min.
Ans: 3 h 55 min
